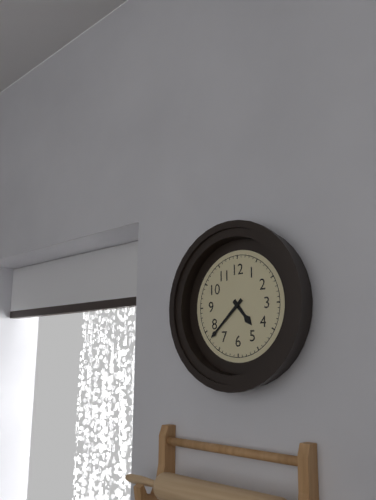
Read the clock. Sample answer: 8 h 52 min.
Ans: 4 h 38 min
